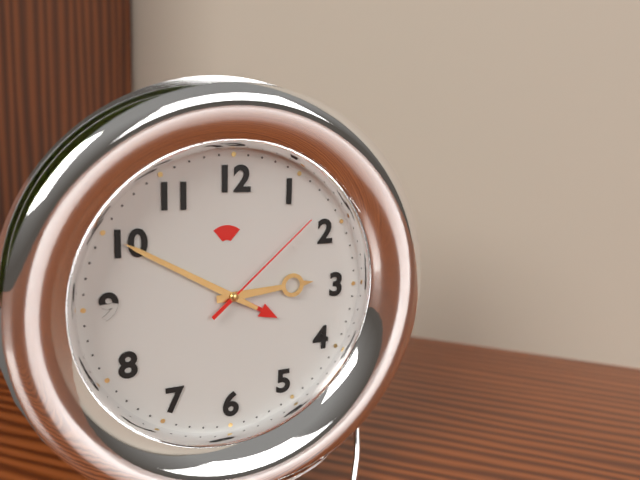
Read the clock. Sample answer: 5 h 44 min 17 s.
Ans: 2 h 50 min 08 s
